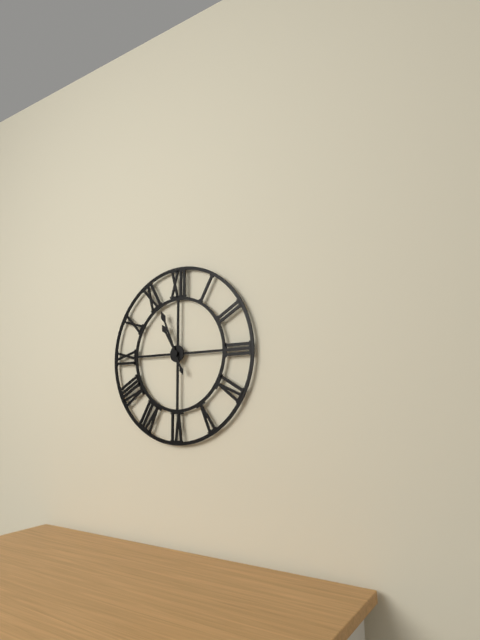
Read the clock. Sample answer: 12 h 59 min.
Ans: 10 h 56 min
